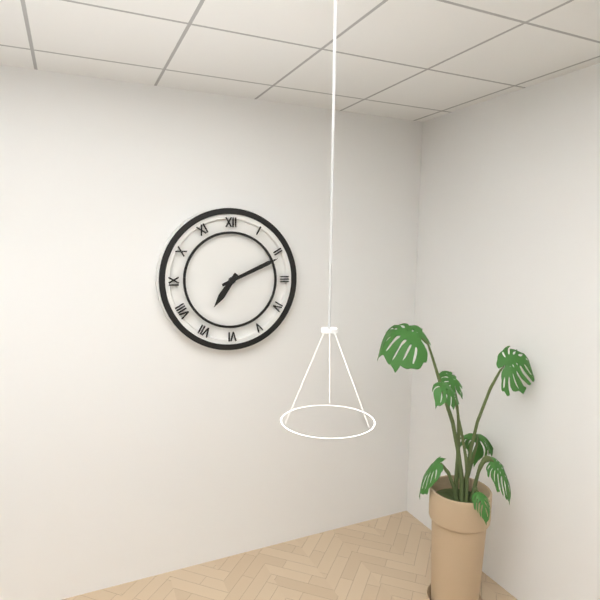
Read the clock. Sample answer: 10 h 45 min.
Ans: 7 h 11 min
